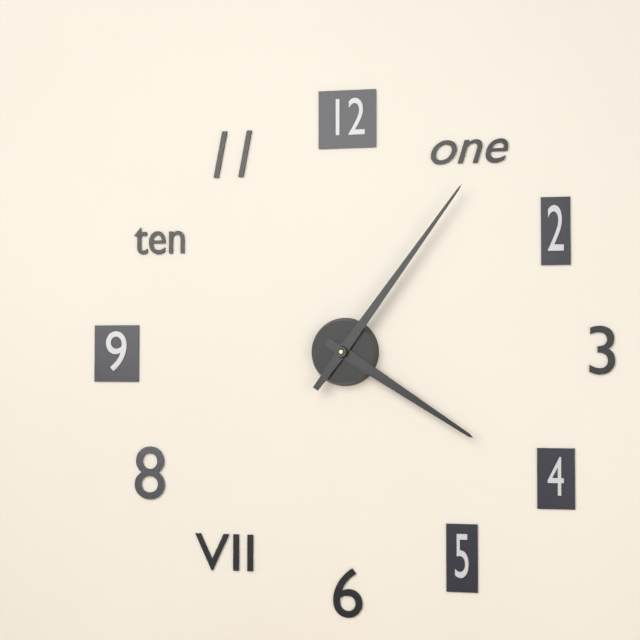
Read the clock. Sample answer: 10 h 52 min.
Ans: 4 h 06 min
